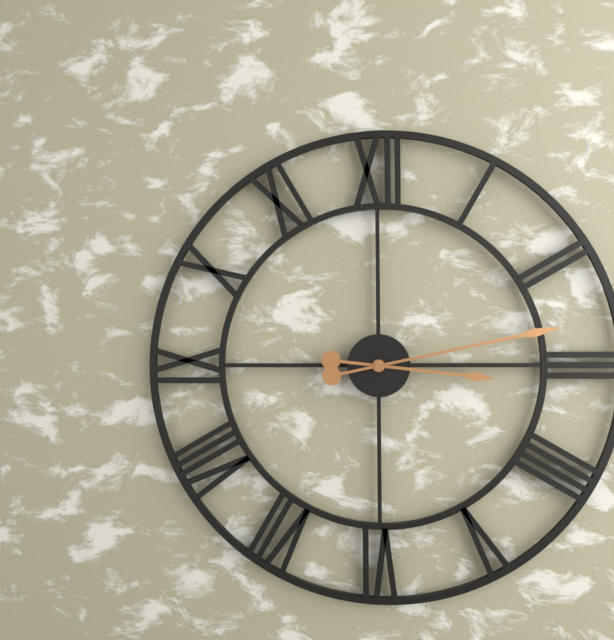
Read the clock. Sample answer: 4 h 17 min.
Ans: 3 h 13 min
